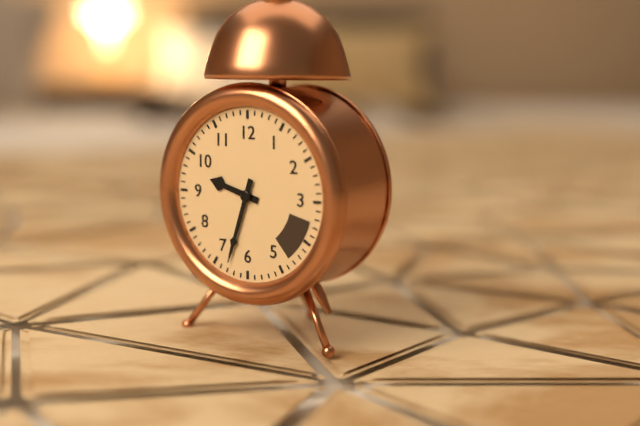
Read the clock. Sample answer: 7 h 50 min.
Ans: 9 h 33 min
